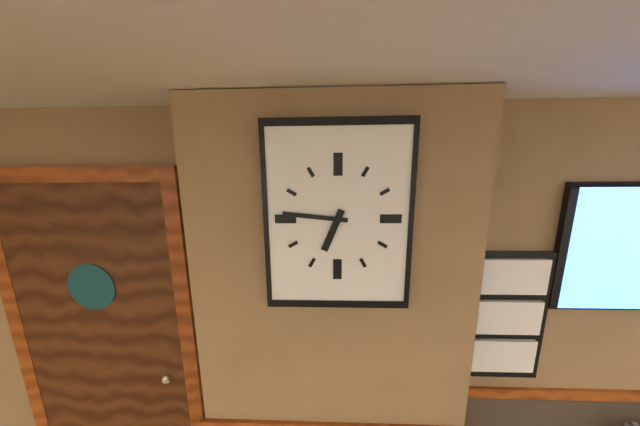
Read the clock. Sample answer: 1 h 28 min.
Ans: 6 h 46 min
